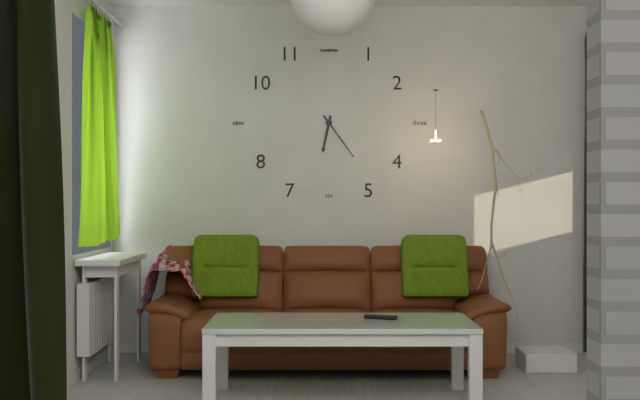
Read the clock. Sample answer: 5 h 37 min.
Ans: 6 h 24 min
